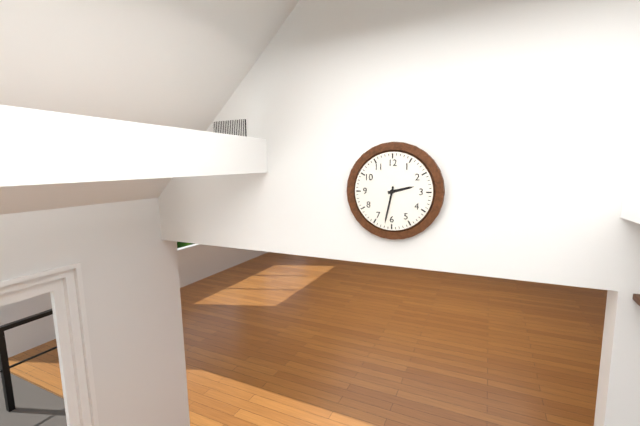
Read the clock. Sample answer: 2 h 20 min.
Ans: 2 h 32 min
